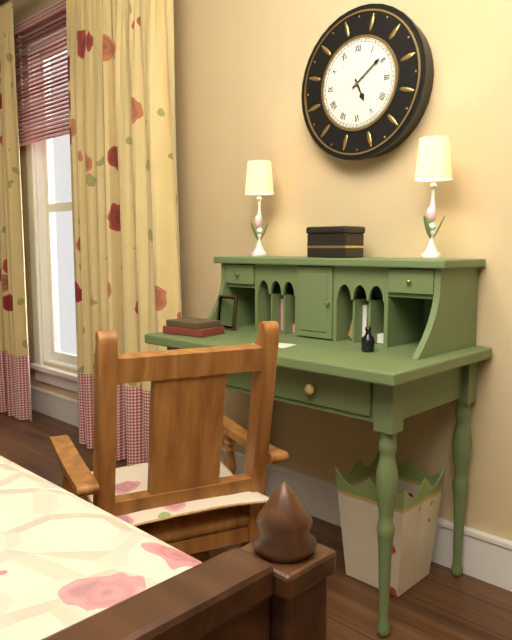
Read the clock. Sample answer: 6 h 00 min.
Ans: 5 h 09 min
